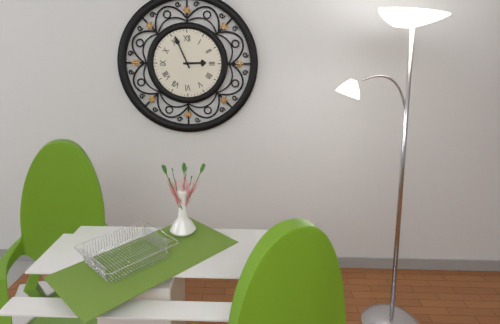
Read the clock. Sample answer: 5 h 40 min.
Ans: 2 h 56 min
